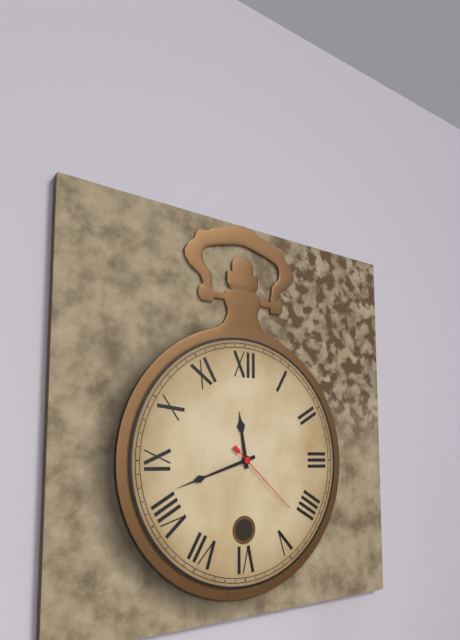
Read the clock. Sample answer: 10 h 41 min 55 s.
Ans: 11 h 42 min 22 s
